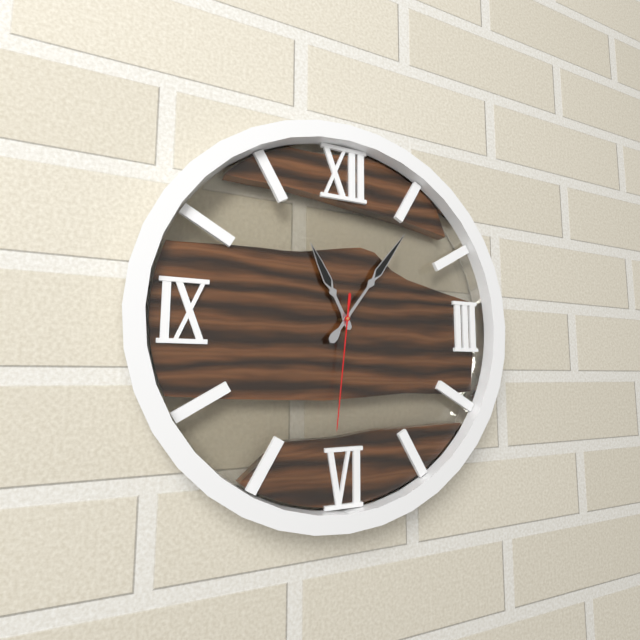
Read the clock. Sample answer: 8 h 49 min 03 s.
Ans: 11 h 06 min 31 s
